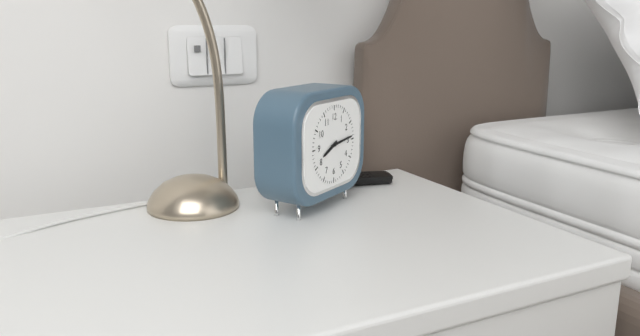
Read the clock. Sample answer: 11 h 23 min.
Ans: 8 h 14 min
